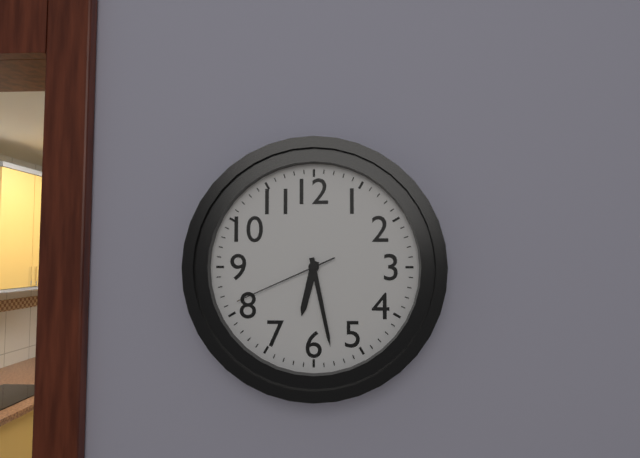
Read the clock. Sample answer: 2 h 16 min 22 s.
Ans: 6 h 28 min 41 s
